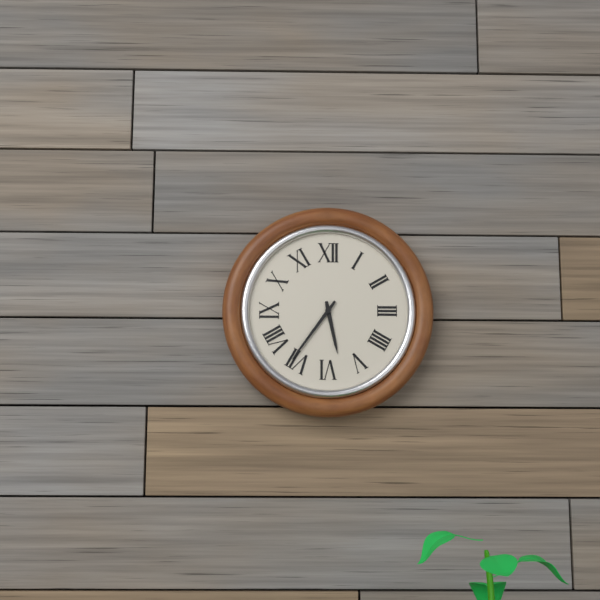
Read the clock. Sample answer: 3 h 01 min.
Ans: 5 h 36 min
